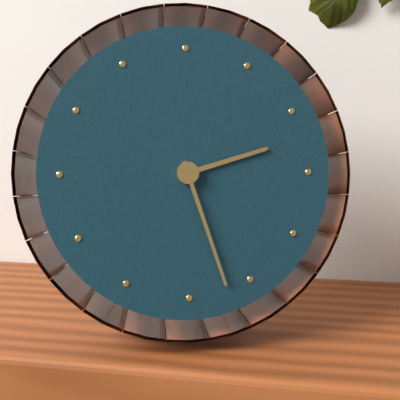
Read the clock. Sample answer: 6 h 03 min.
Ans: 2 h 27 min
